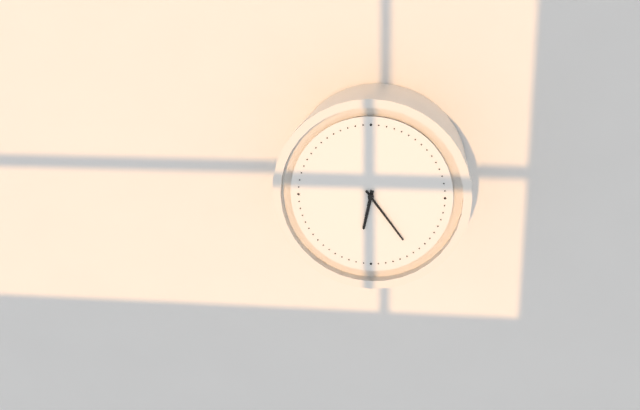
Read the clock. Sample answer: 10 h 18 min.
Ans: 6 h 24 min
